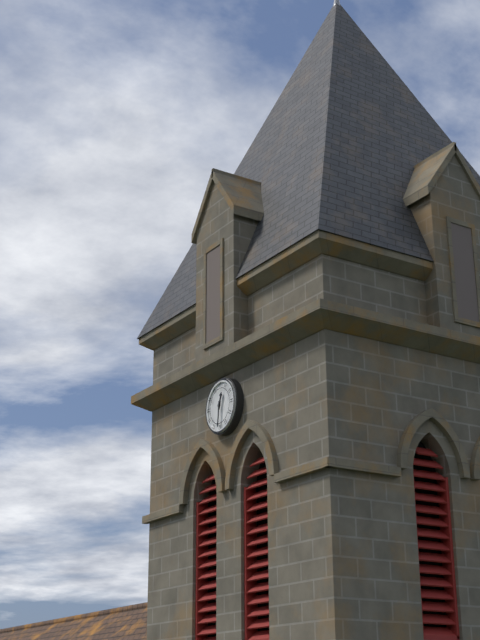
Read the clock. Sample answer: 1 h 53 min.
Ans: 12 h 31 min
